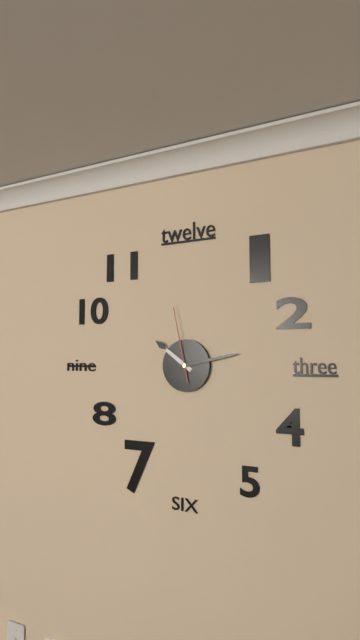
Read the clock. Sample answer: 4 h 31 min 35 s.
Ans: 10 h 13 min 58 s
